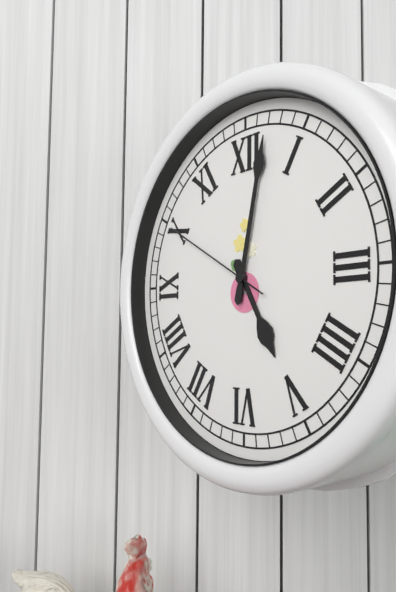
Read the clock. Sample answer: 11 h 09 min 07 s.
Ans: 5 h 02 min 50 s
